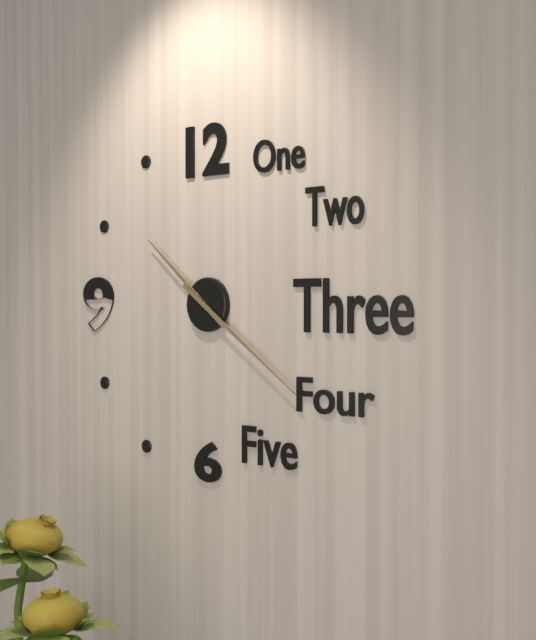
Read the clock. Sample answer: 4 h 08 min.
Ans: 10 h 21 min
